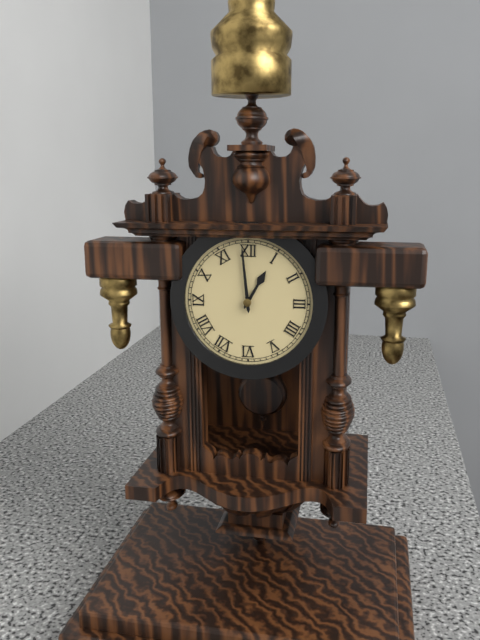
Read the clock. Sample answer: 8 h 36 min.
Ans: 12 h 59 min
